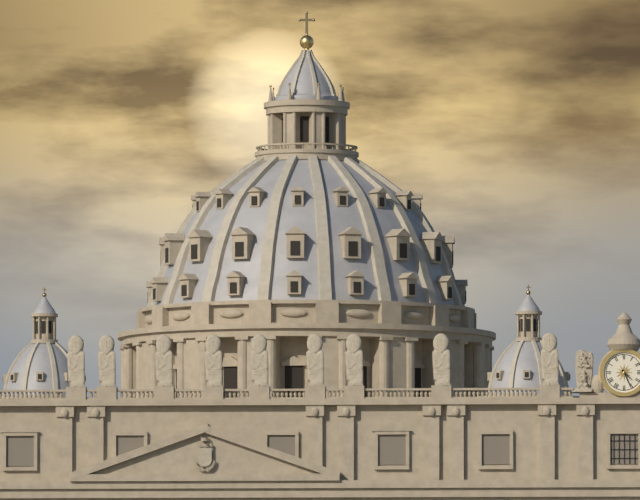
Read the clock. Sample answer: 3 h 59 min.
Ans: 4 h 26 min
